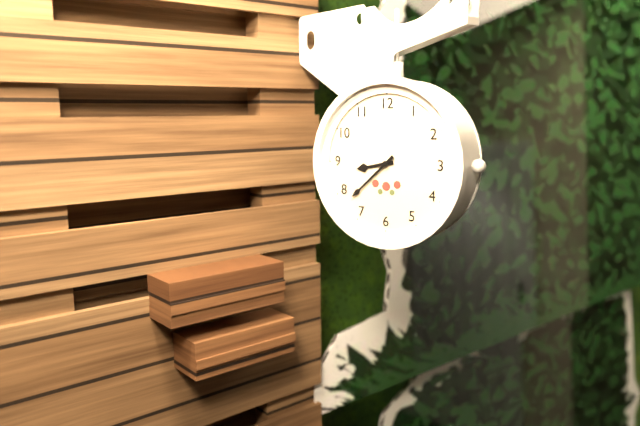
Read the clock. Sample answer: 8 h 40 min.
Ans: 8 h 38 min
